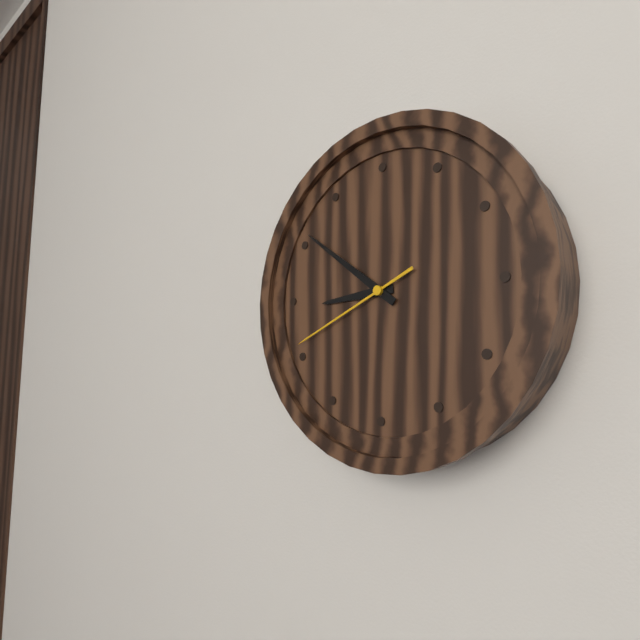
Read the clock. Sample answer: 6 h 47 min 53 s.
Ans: 8 h 51 min 41 s
